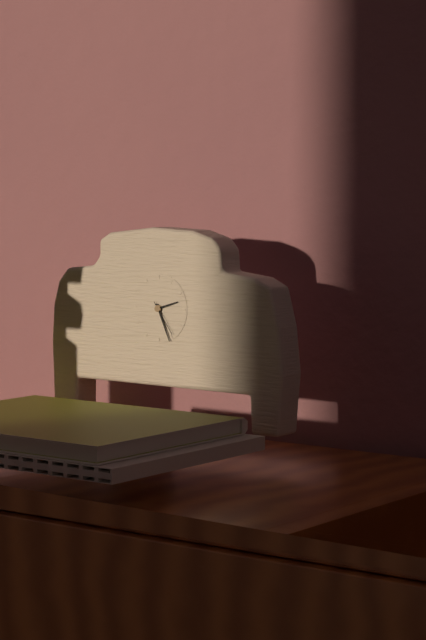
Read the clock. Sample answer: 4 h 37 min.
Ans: 2 h 26 min
